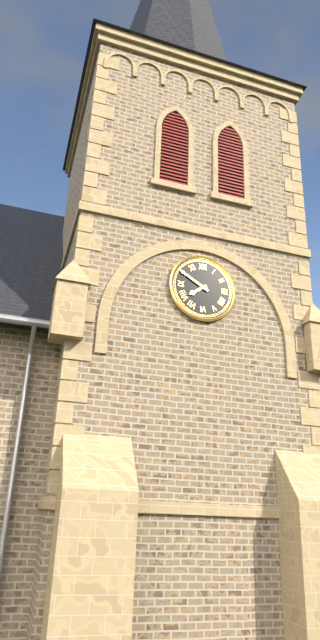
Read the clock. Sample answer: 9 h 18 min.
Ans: 7 h 50 min
